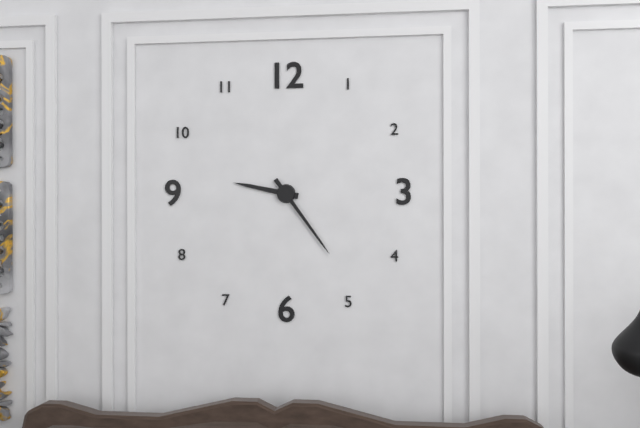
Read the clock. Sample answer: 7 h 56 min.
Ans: 9 h 24 min
